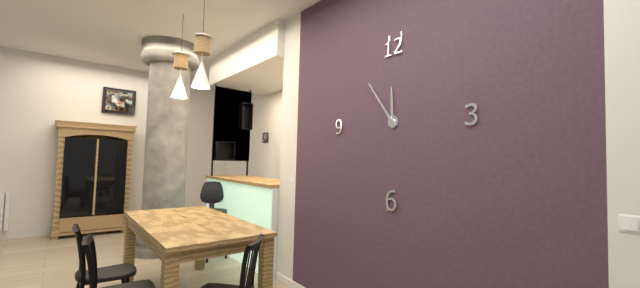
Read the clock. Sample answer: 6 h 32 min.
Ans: 11 h 54 min
